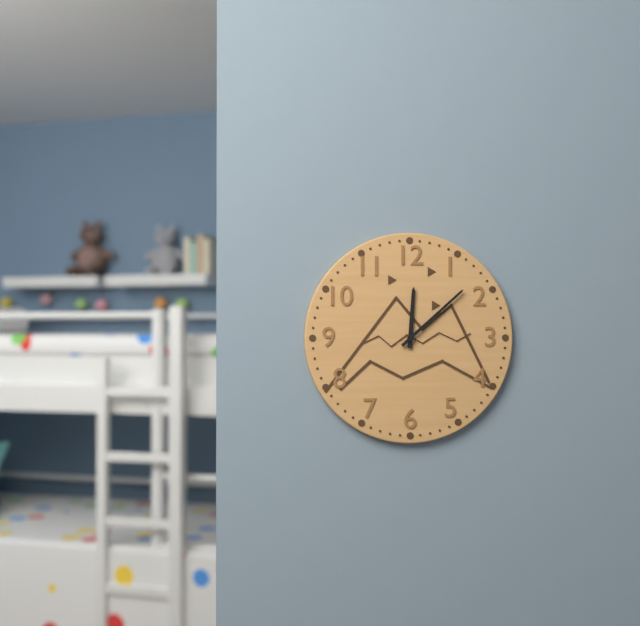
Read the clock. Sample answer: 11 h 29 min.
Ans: 12 h 08 min
